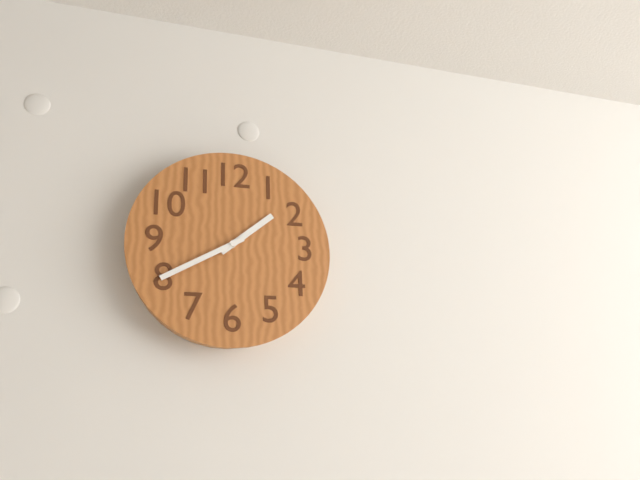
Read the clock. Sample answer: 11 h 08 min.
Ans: 1 h 40 min
